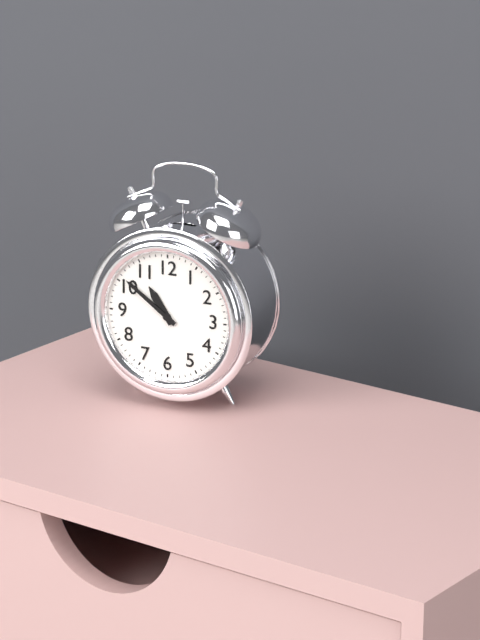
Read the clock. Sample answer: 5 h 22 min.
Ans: 10 h 51 min
